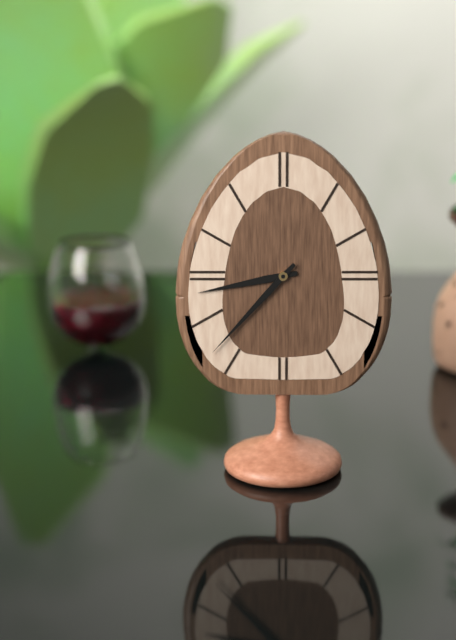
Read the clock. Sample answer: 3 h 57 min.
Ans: 8 h 37 min
